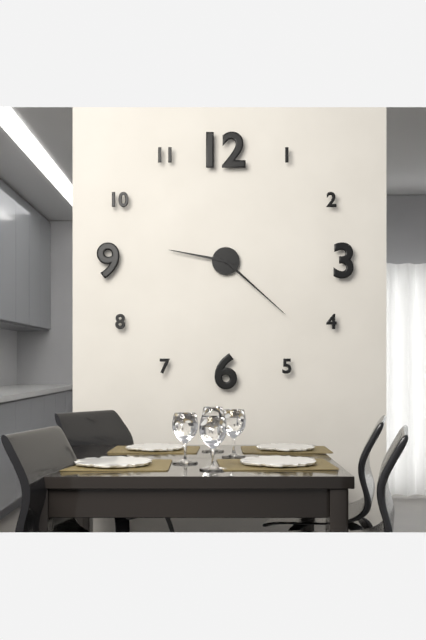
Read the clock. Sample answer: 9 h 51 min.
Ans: 9 h 22 min
